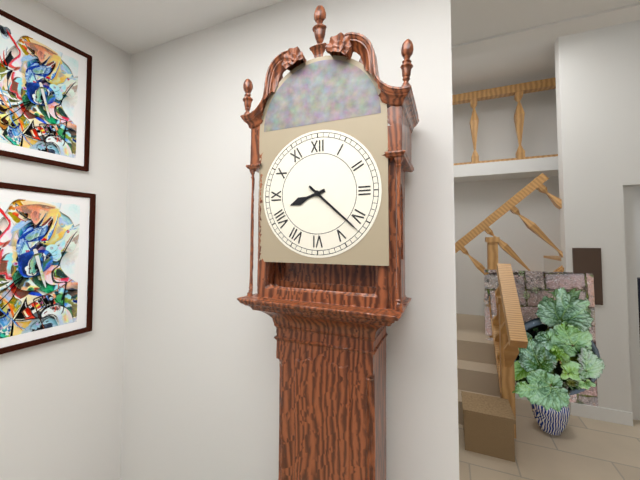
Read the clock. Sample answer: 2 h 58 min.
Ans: 8 h 22 min
